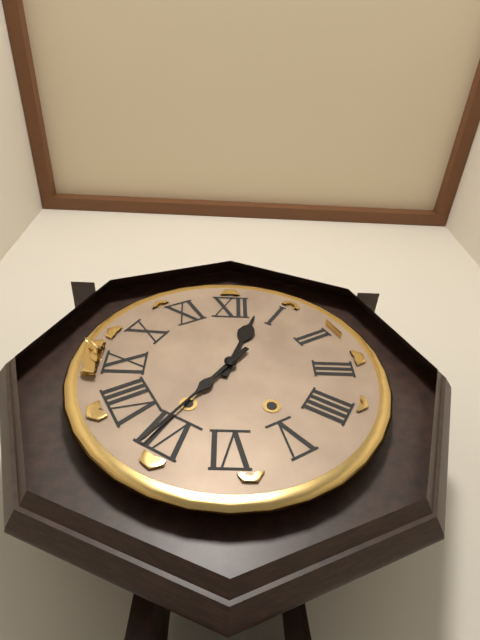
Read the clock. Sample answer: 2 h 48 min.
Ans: 12 h 36 min
